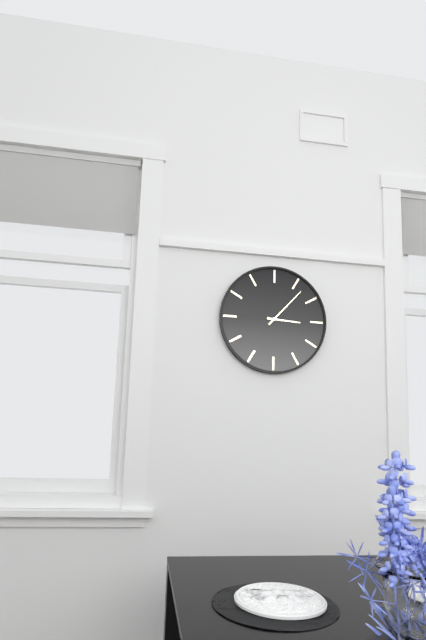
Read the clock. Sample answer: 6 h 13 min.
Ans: 3 h 07 min
